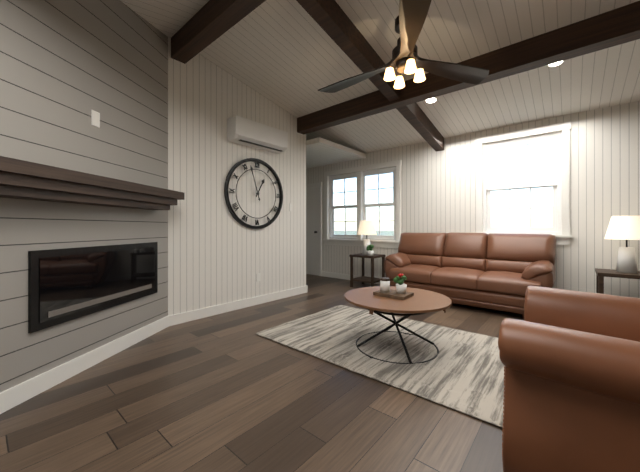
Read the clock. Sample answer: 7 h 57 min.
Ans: 12 h 57 min
